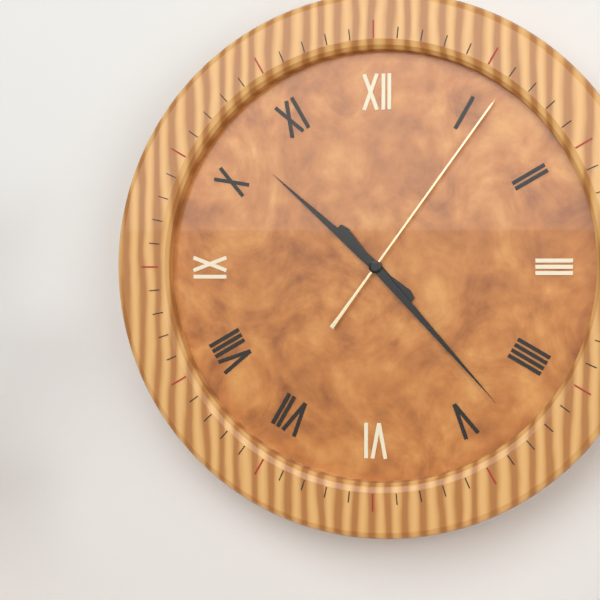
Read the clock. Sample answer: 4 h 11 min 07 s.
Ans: 10 h 23 min 06 s
